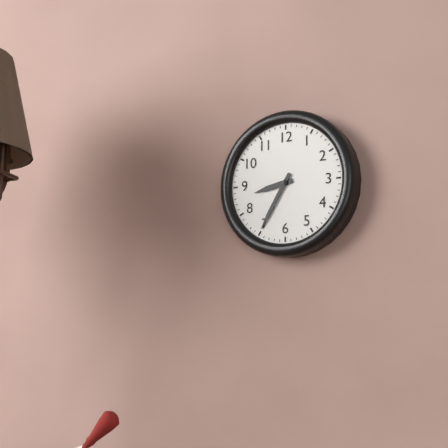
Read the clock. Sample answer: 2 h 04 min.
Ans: 8 h 35 min
